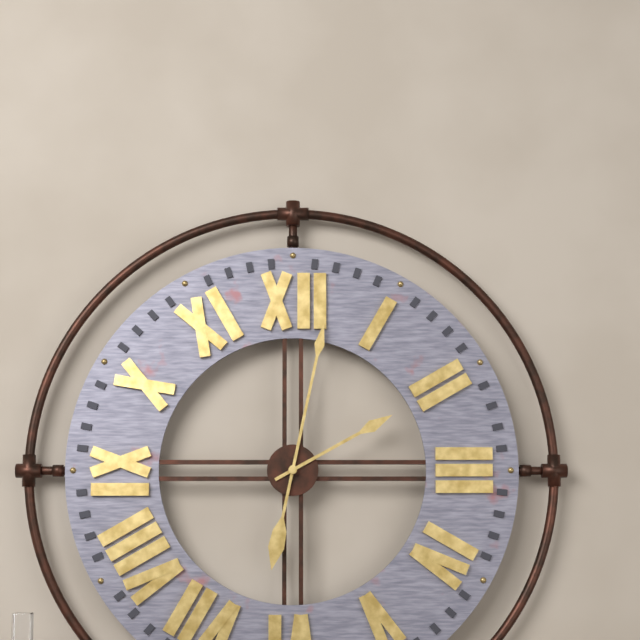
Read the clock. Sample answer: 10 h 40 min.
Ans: 2 h 02 min
